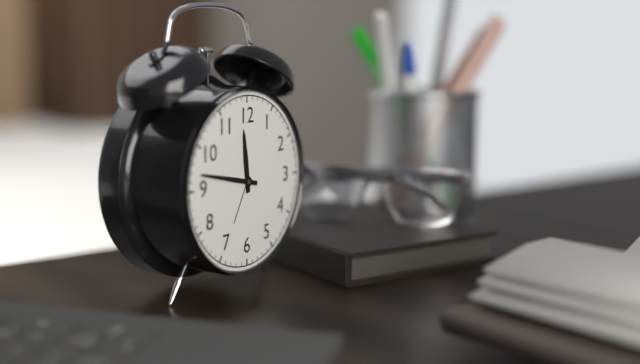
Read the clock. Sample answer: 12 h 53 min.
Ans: 11 h 47 min
